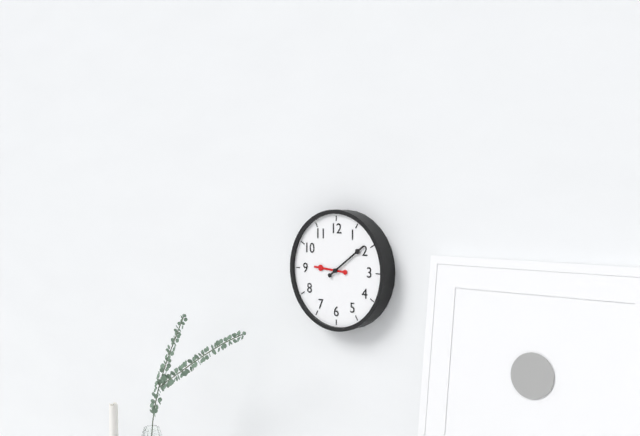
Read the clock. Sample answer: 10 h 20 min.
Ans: 9 h 09 min
